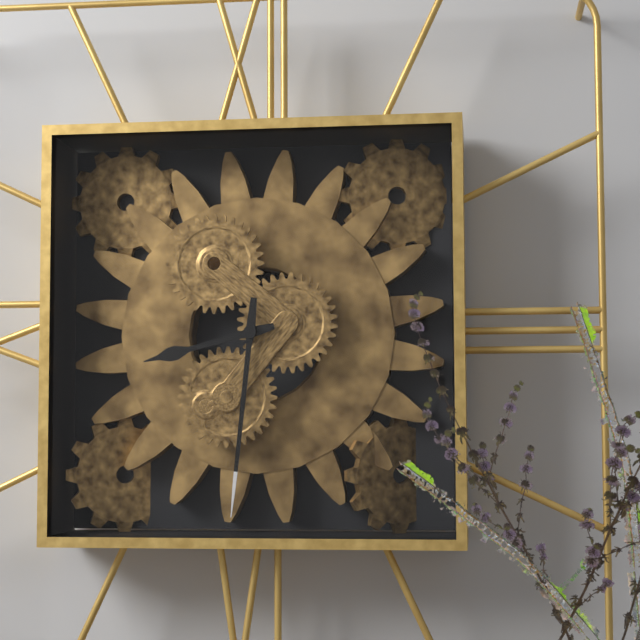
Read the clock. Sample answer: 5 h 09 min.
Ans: 8 h 31 min
